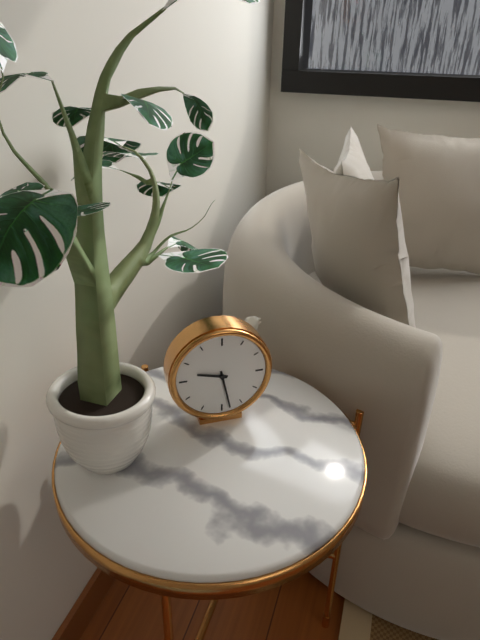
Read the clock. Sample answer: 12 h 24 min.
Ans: 9 h 28 min
